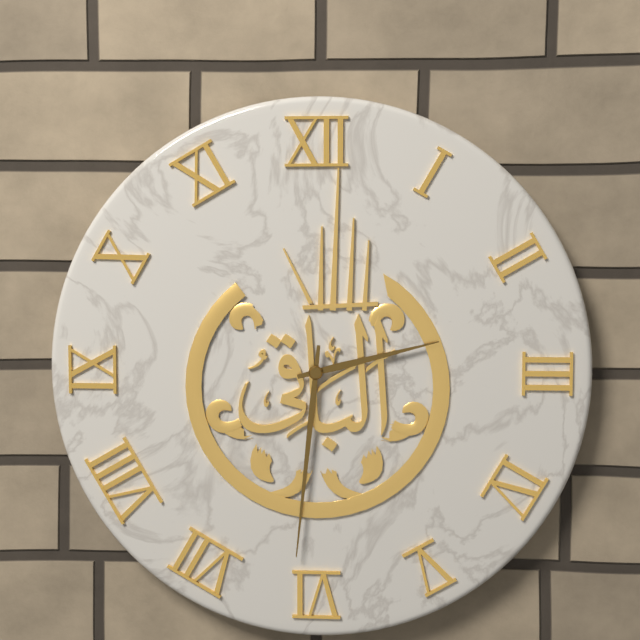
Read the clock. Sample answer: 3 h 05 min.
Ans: 2 h 31 min
